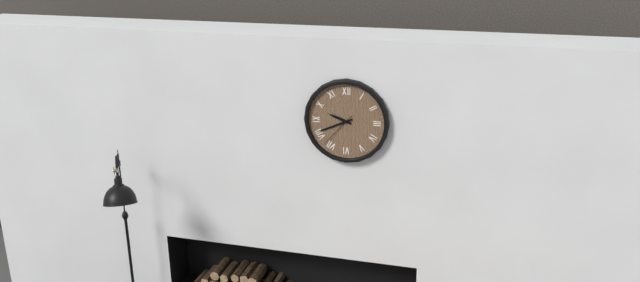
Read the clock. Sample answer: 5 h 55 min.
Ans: 9 h 41 min
